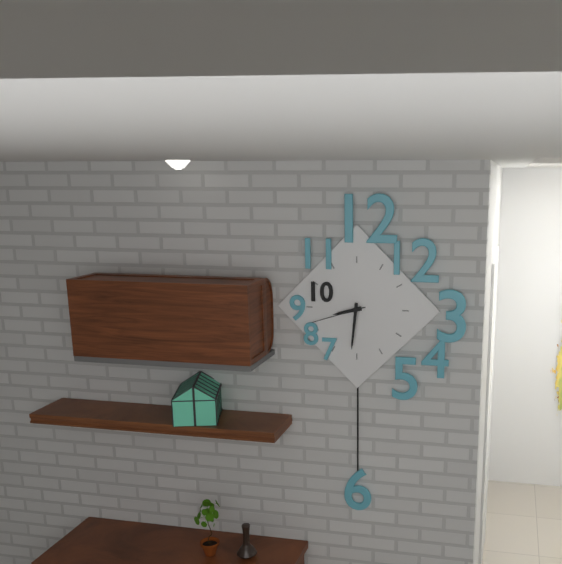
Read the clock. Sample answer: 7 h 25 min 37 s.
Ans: 8 h 31 min 42 s
